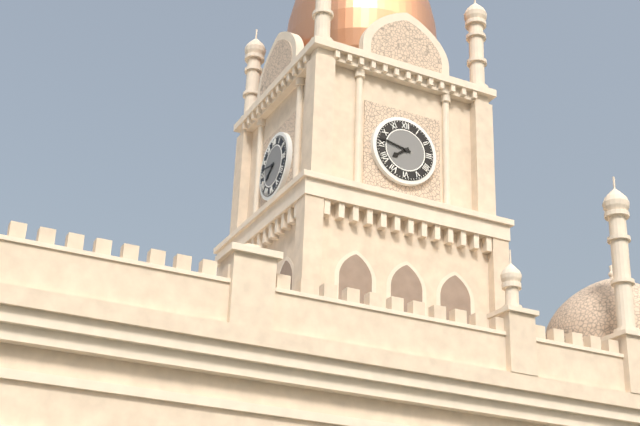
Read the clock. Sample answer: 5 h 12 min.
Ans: 7 h 47 min
